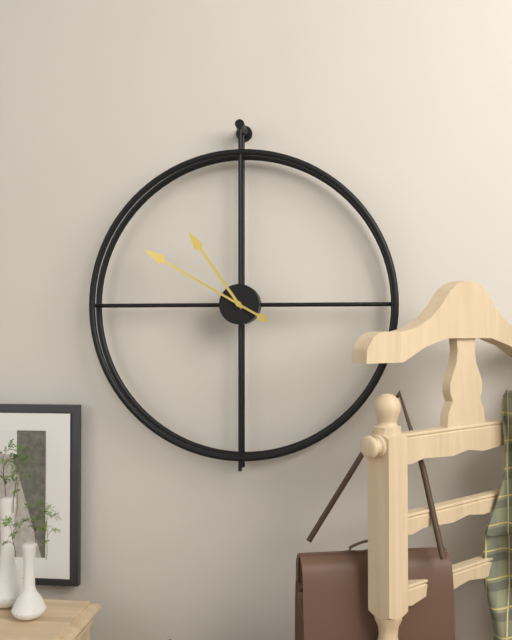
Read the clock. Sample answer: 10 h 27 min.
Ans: 10 h 50 min
